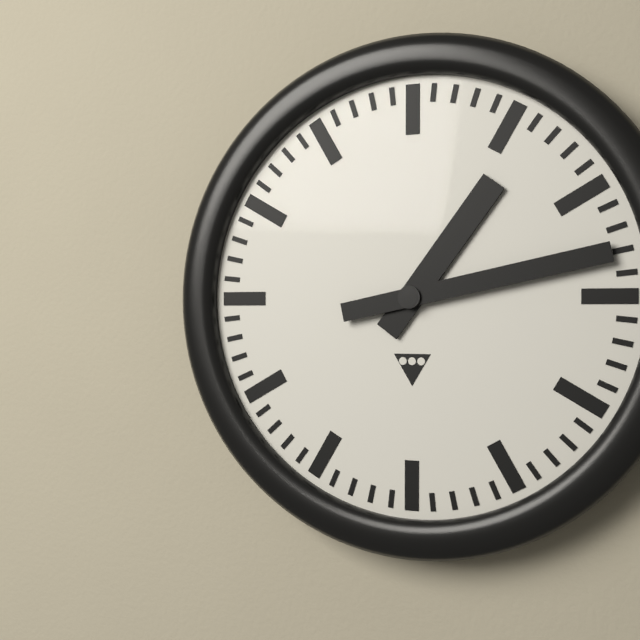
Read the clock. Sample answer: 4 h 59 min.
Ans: 1 h 13 min
